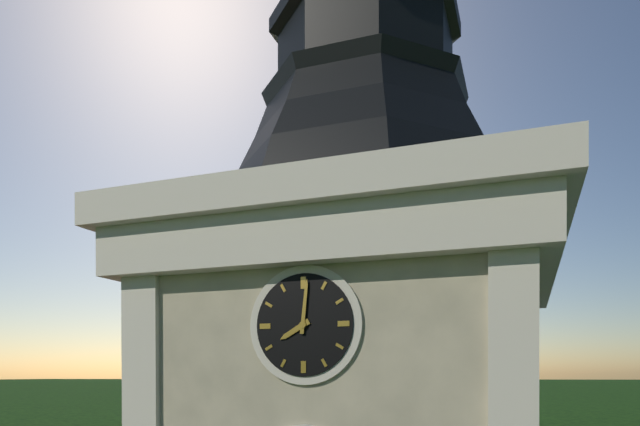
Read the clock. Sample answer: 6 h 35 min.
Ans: 8 h 01 min
